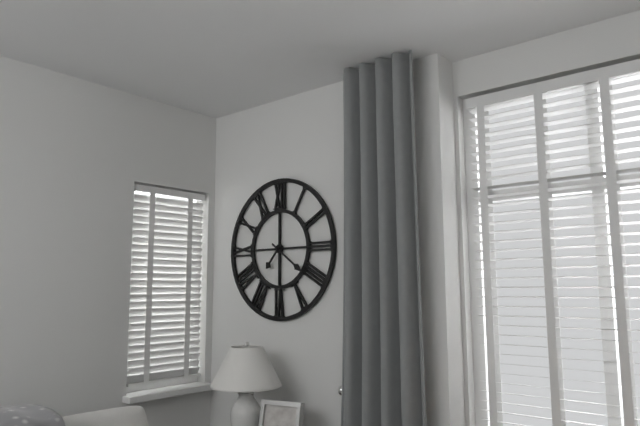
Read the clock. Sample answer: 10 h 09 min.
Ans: 7 h 21 min
